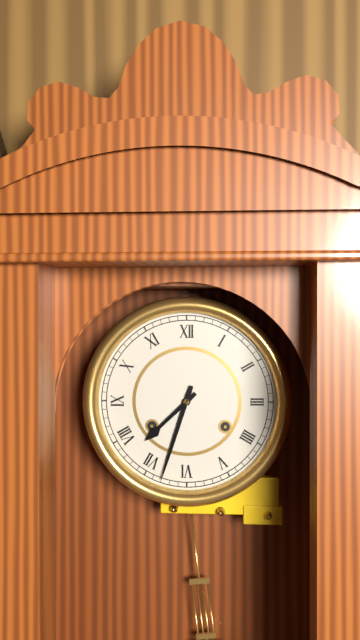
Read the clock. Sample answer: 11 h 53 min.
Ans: 7 h 33 min
